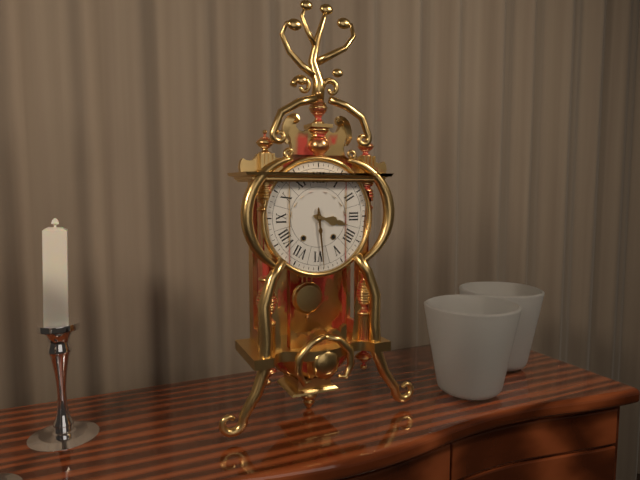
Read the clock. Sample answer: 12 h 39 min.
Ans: 3 h 29 min
